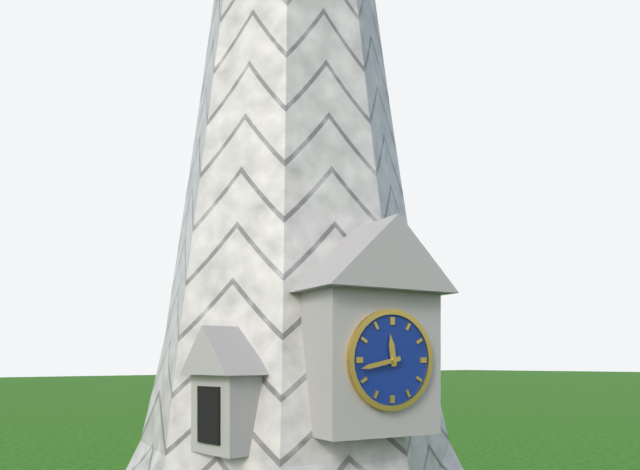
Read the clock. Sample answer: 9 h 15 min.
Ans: 11 h 43 min
